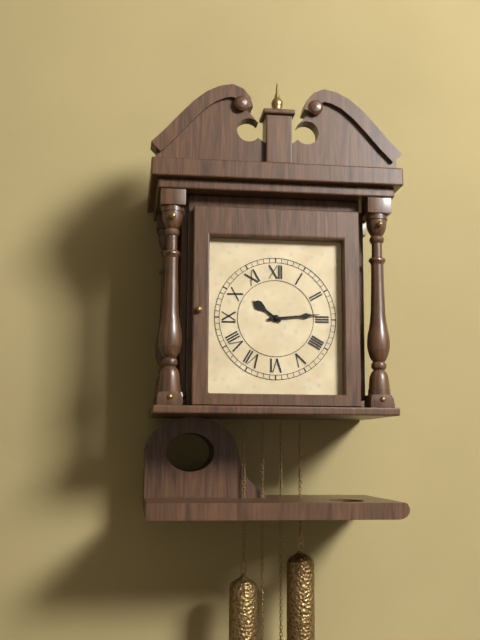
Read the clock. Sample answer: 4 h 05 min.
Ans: 10 h 14 min
